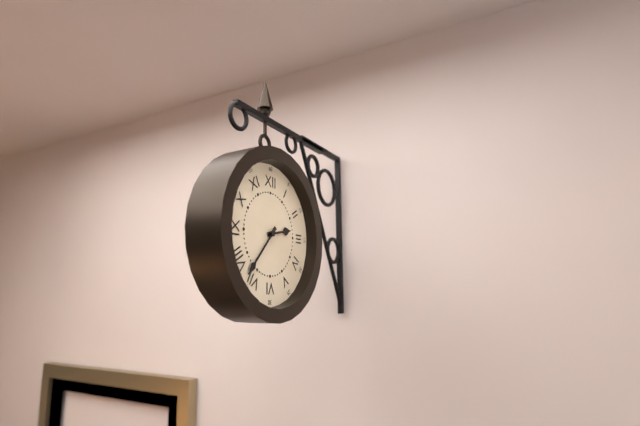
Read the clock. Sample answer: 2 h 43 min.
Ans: 2 h 37 min
